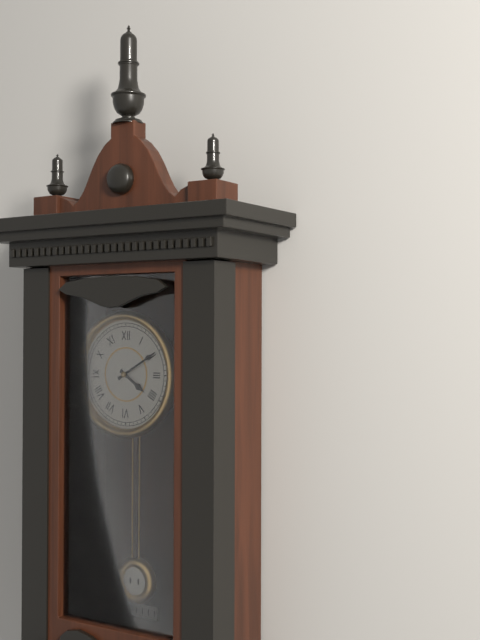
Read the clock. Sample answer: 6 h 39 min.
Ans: 4 h 10 min
